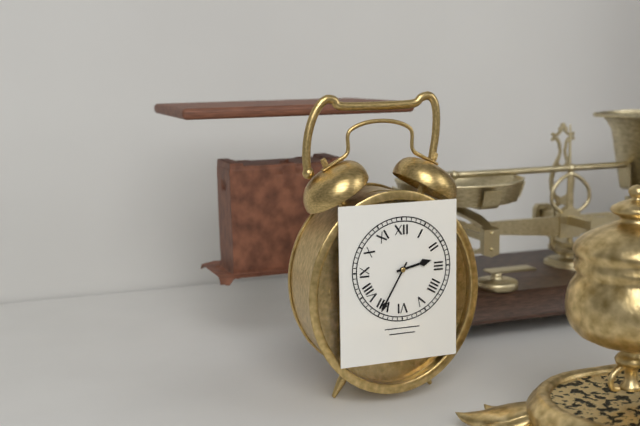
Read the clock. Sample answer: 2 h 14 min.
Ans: 2 h 35 min
